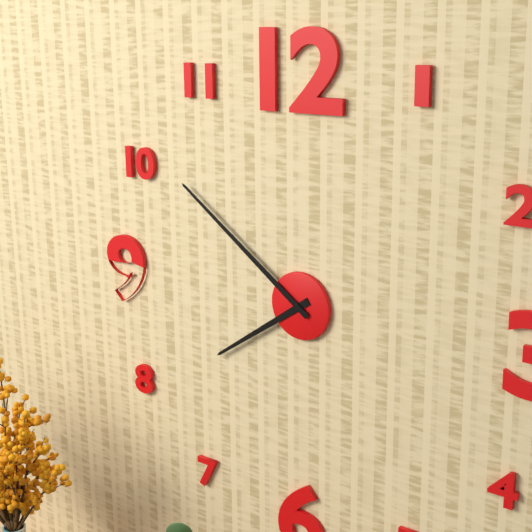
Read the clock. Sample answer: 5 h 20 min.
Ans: 7 h 51 min
